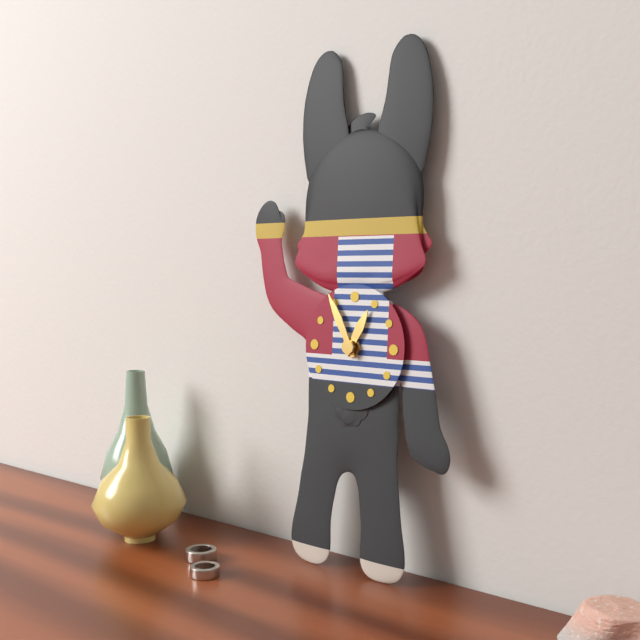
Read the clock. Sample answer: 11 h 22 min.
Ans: 12 h 55 min
